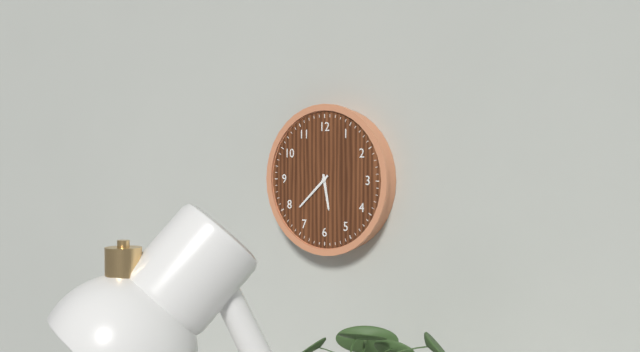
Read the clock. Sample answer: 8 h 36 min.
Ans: 5 h 38 min
